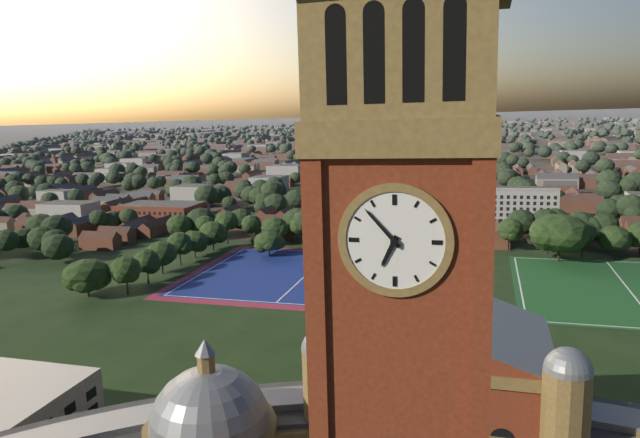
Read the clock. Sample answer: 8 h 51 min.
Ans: 6 h 53 min
